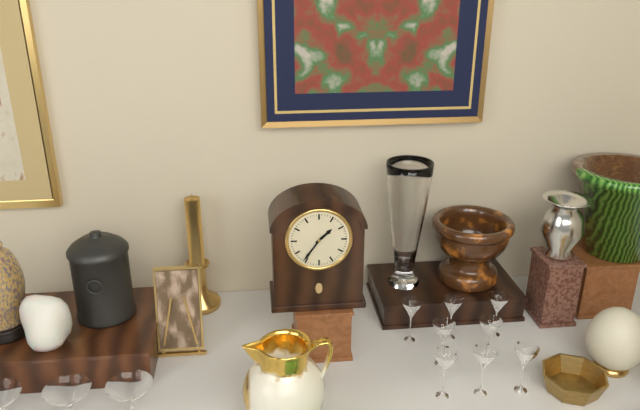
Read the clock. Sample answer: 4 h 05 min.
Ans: 1 h 36 min
